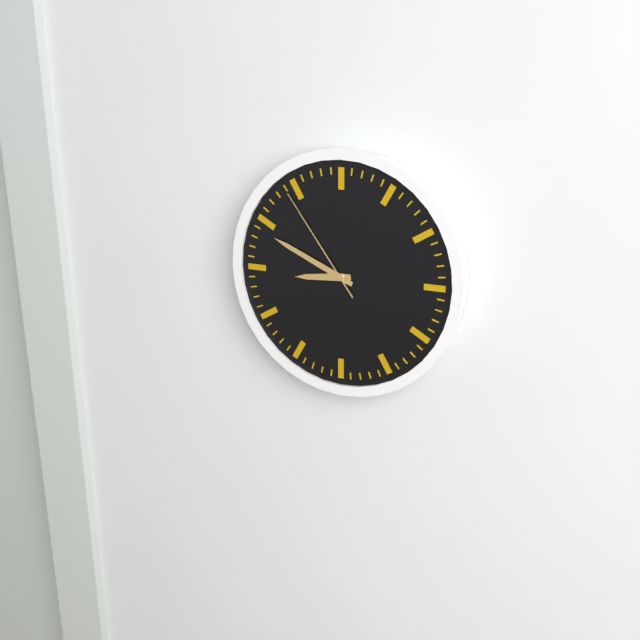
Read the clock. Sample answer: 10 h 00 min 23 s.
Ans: 8 h 49 min 54 s
